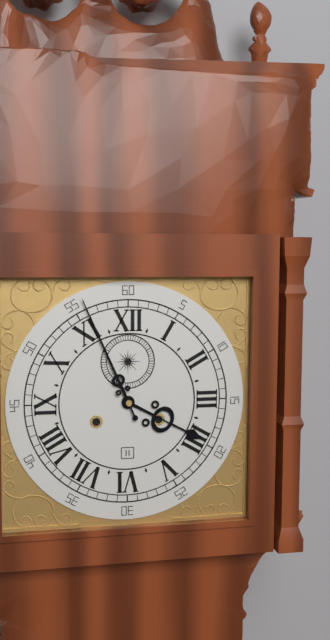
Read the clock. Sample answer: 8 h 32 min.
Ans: 3 h 56 min
